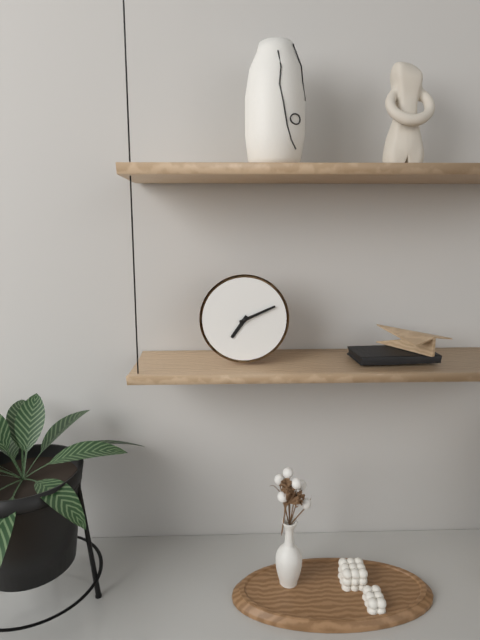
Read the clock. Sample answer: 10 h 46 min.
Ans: 7 h 11 min
